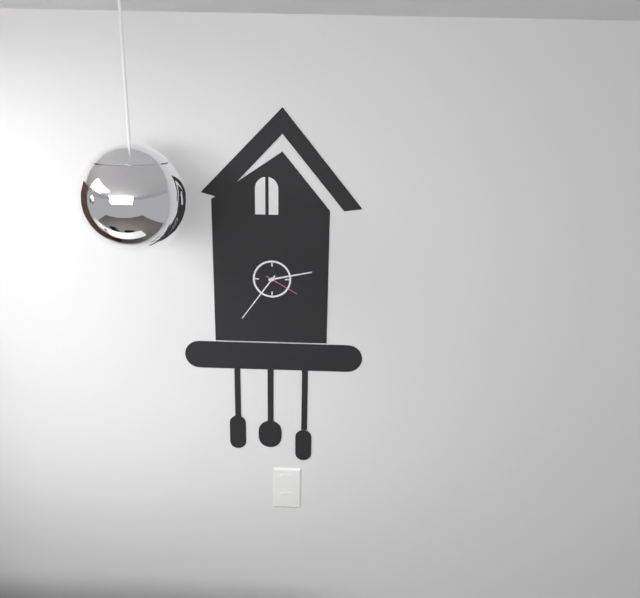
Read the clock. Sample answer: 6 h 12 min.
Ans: 2 h 36 min
